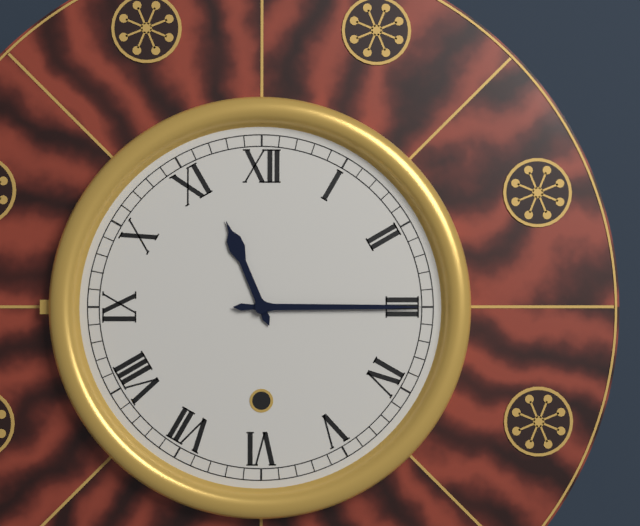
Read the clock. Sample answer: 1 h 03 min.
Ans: 11 h 15 min
